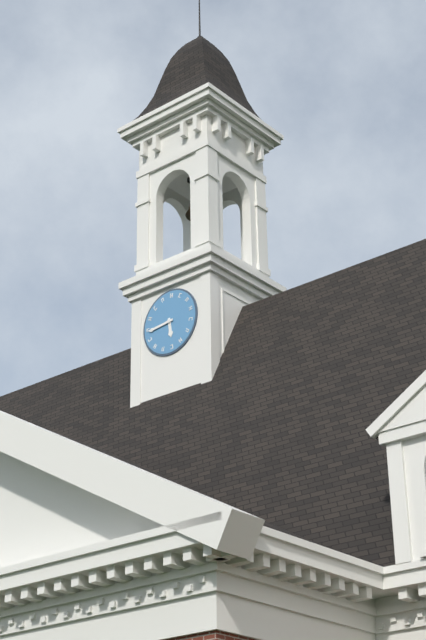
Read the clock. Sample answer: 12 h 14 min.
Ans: 5 h 44 min
